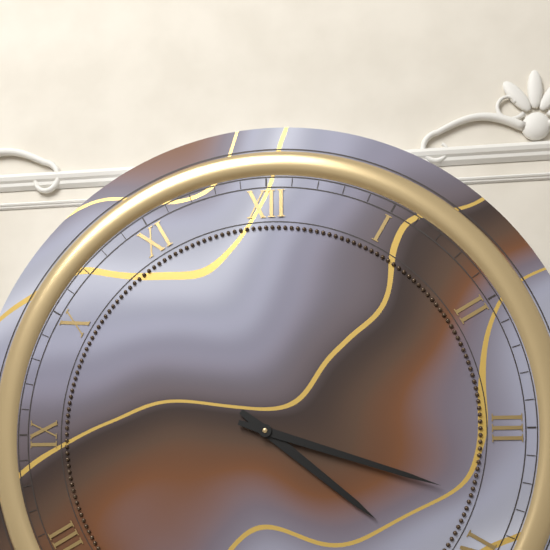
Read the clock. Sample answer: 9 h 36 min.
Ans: 4 h 18 min
